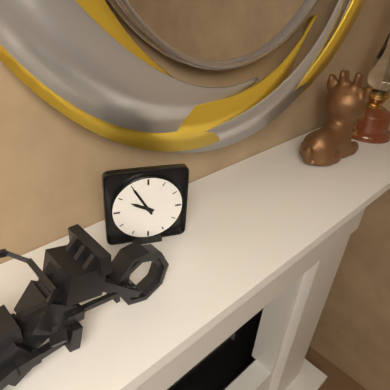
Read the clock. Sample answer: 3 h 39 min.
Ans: 9 h 55 min
